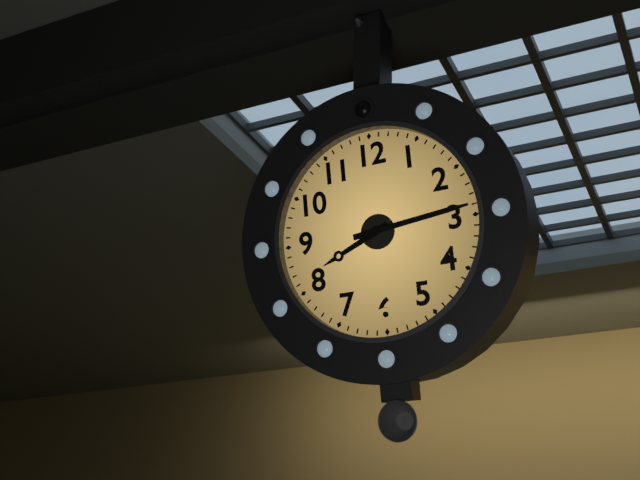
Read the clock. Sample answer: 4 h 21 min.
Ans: 8 h 14 min
